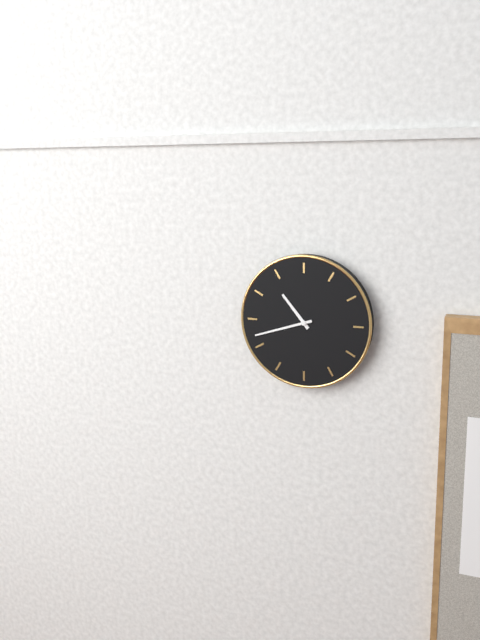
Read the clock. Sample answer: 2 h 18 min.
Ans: 10 h 42 min
